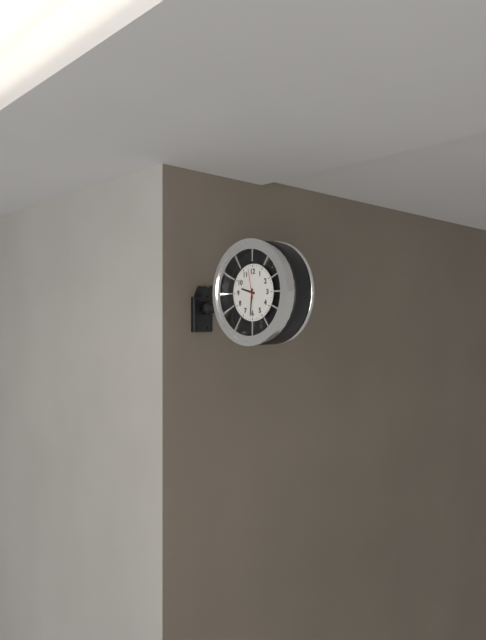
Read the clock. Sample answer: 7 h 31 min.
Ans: 9 h 31 min
